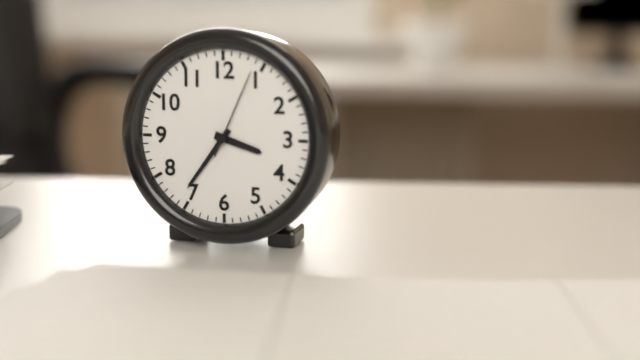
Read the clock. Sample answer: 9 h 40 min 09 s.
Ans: 3 h 36 min 04 s
